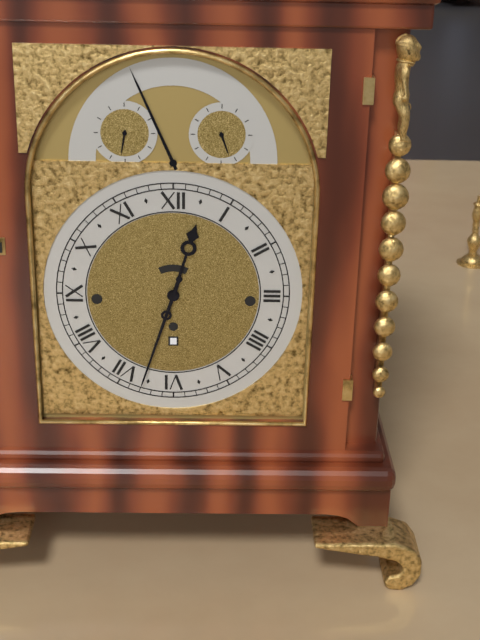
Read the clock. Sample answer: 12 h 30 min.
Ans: 12 h 33 min
